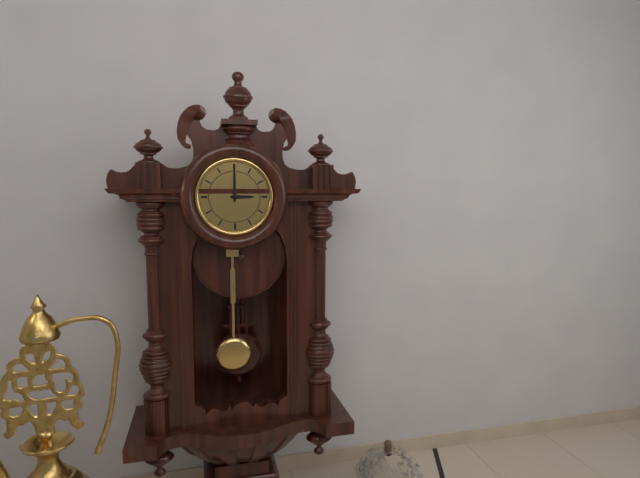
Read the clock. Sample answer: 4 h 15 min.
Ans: 3 h 00 min
